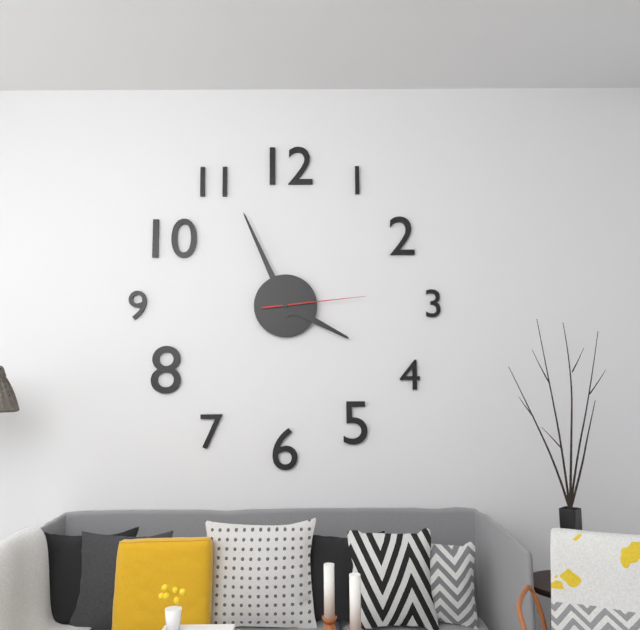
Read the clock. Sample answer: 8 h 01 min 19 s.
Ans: 3 h 56 min 14 s
